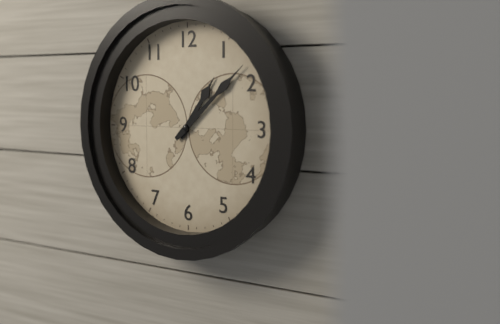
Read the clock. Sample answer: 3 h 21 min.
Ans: 1 h 08 min
